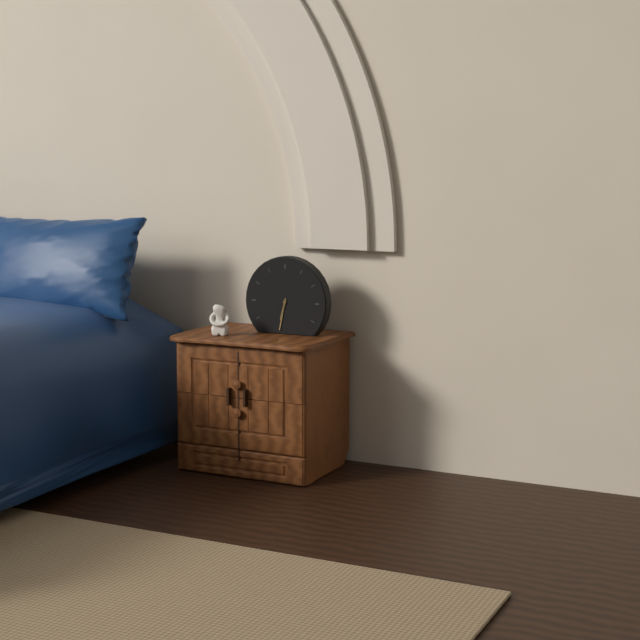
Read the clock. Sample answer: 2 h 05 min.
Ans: 6 h 32 min
